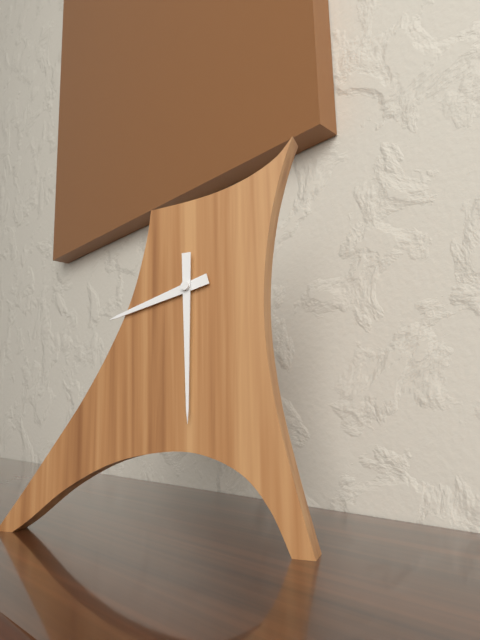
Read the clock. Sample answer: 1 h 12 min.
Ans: 8 h 30 min
